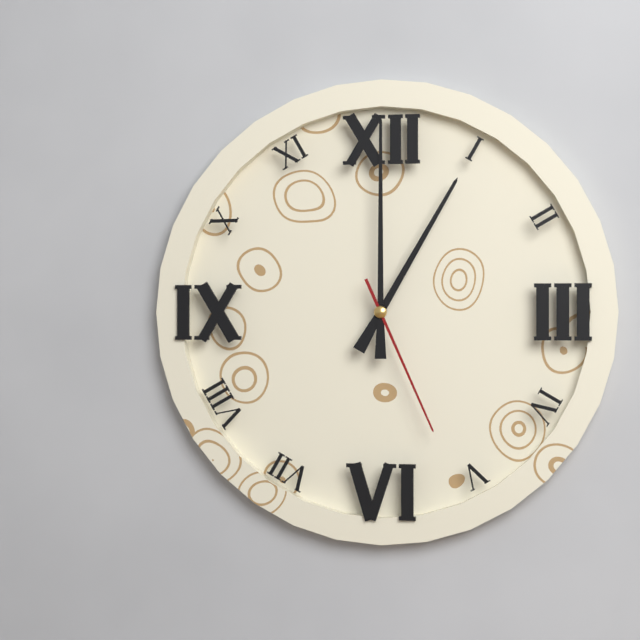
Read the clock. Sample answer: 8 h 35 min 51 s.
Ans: 1 h 00 min 26 s
